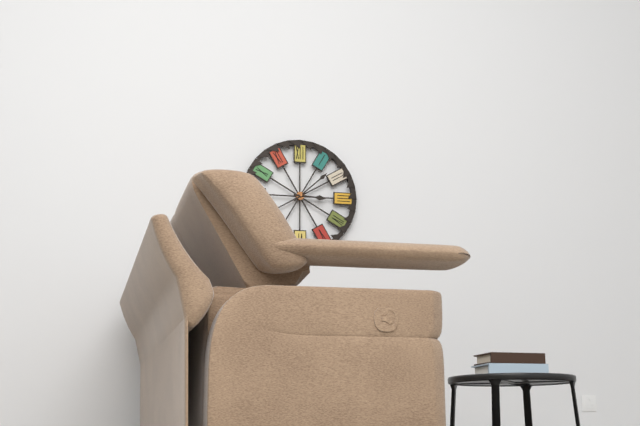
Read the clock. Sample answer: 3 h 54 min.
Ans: 3 h 08 min
